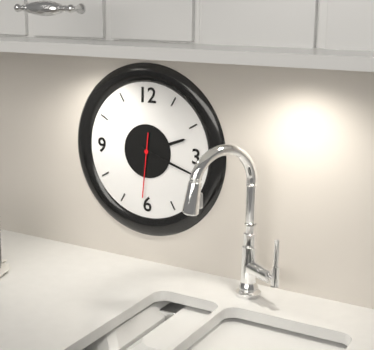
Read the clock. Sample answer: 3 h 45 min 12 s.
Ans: 2 h 18 min 31 s
